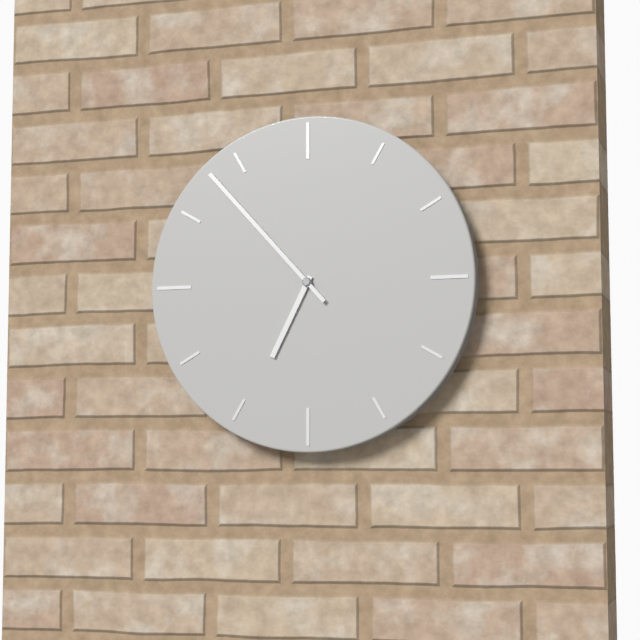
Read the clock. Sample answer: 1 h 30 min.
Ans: 6 h 53 min
